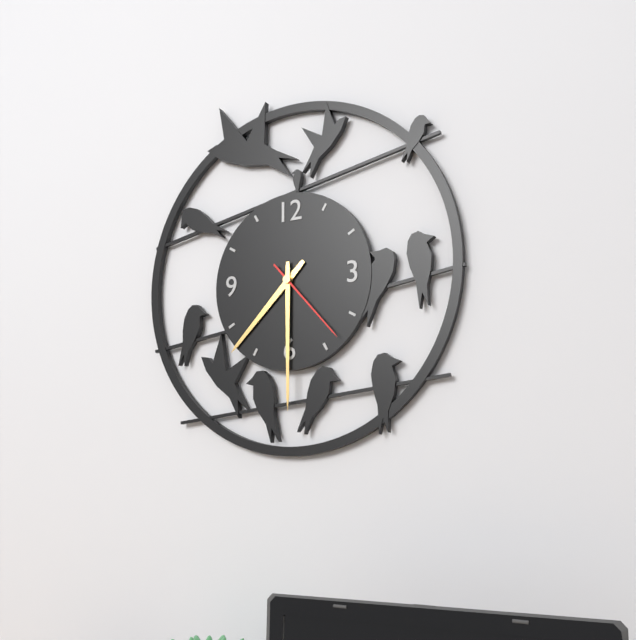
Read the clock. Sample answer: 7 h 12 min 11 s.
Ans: 7 h 30 min 23 s
